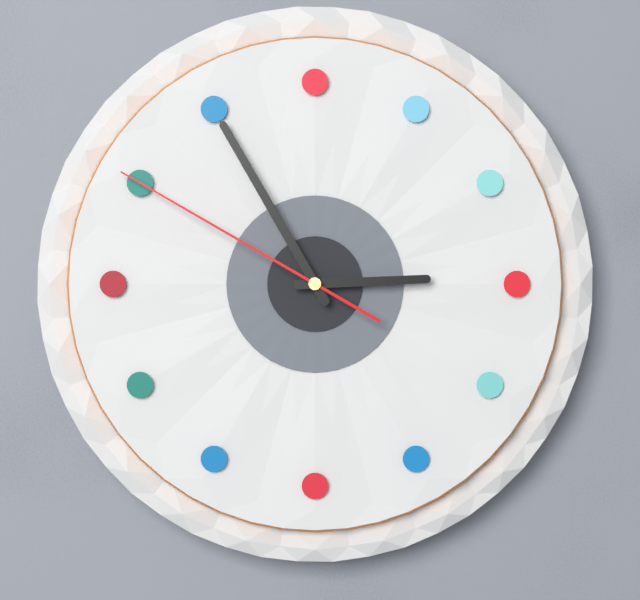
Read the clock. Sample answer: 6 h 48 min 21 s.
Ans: 2 h 55 min 50 s
